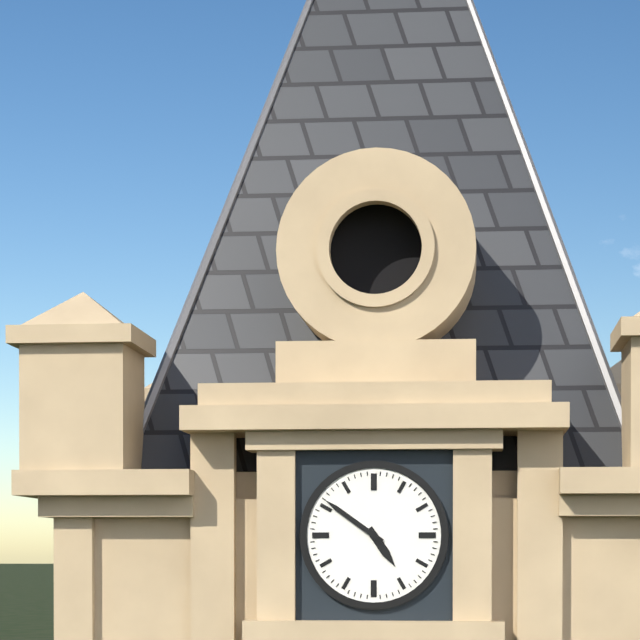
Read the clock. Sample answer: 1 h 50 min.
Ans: 4 h 51 min
